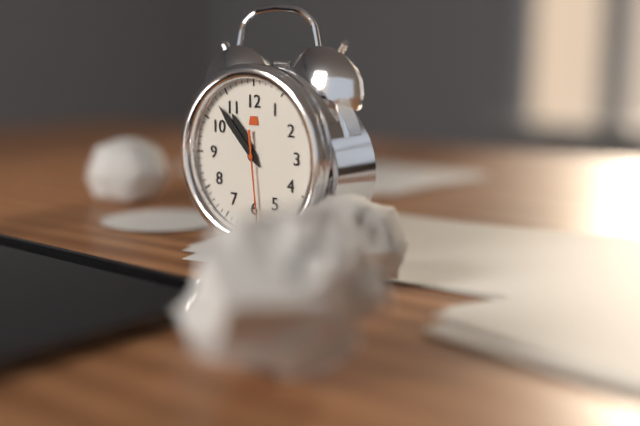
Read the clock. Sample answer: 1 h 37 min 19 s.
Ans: 10 h 53 min 29 s
